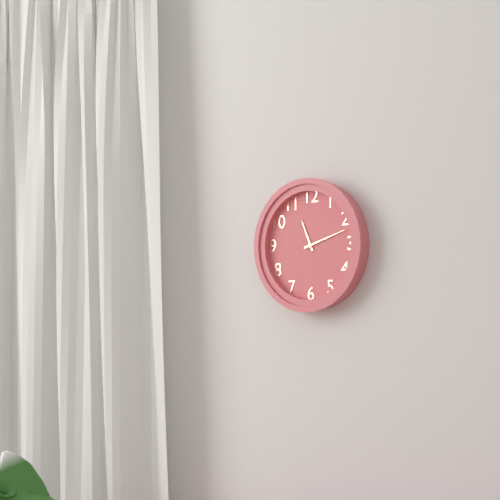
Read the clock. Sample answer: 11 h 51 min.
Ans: 11 h 12 min
